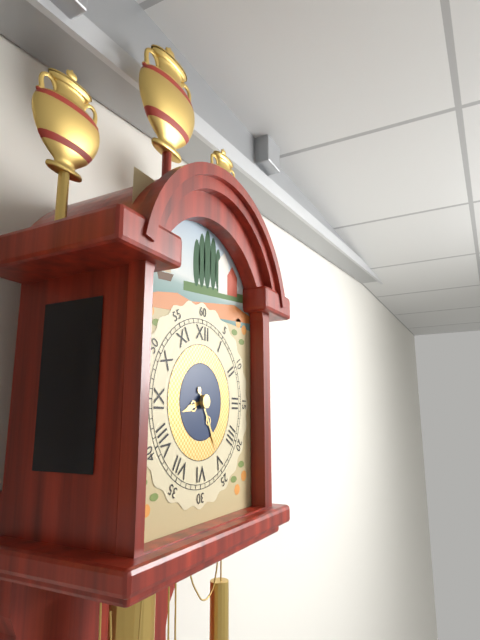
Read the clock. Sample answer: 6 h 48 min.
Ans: 8 h 25 min
